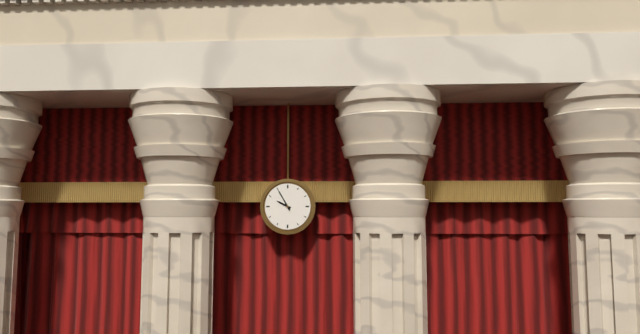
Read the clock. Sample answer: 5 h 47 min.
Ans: 9 h 55 min
